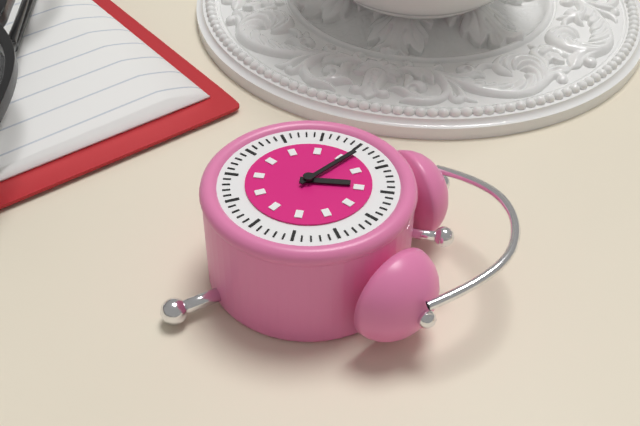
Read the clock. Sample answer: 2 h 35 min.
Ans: 11 h 51 min
